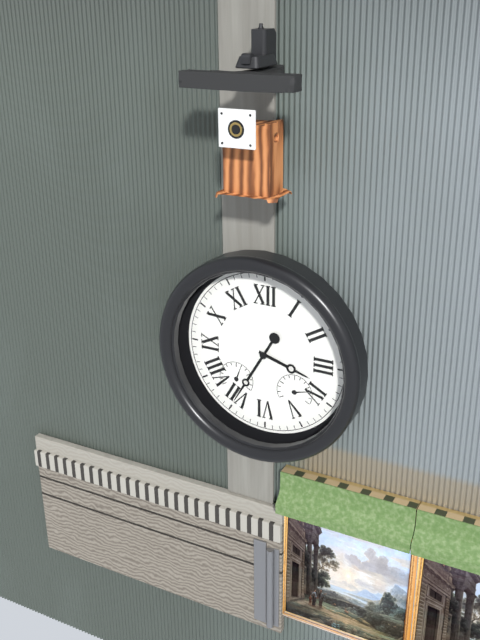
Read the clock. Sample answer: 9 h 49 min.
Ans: 3 h 35 min
